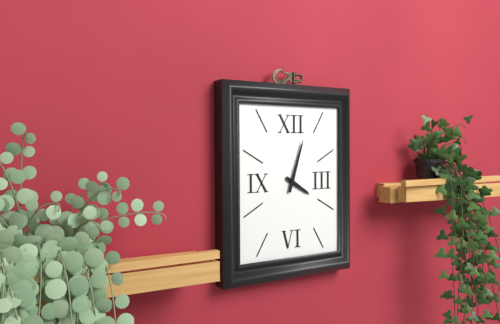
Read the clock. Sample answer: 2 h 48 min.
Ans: 4 h 03 min
